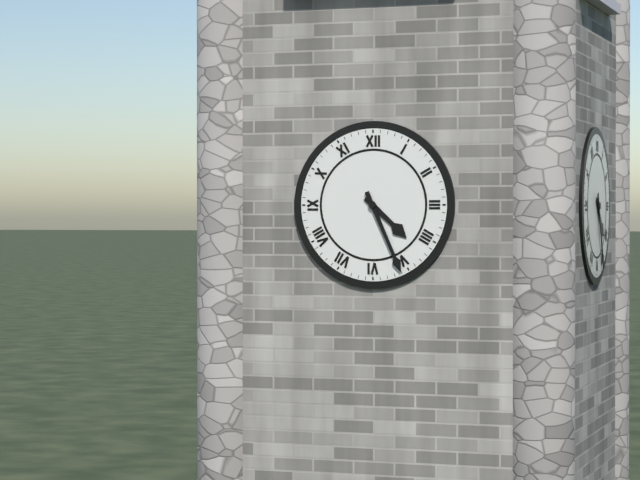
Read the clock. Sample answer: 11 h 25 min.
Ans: 4 h 26 min
